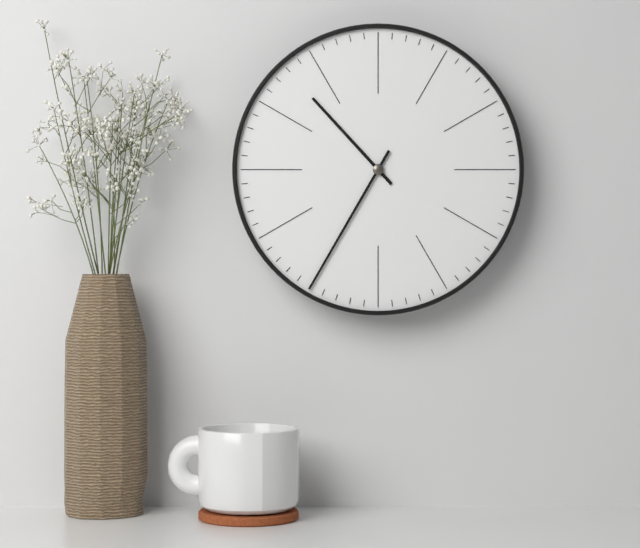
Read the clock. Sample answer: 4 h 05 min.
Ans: 10 h 35 min
